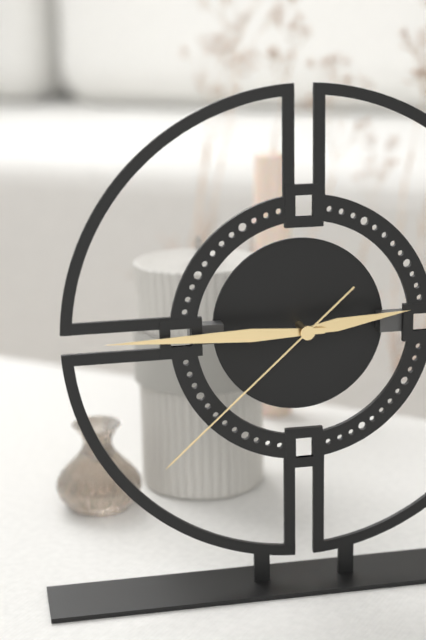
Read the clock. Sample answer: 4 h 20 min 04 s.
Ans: 2 h 45 min 38 s
